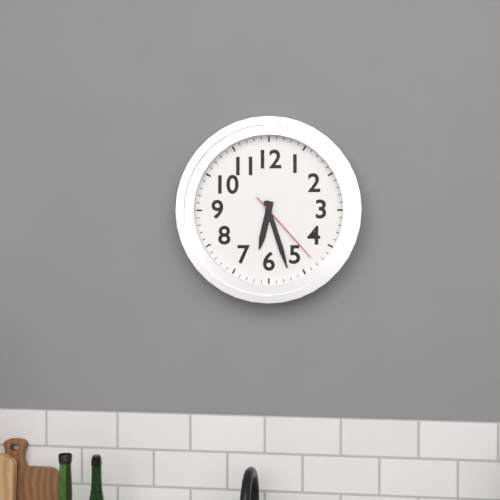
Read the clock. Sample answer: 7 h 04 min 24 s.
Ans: 6 h 27 min 23 s
